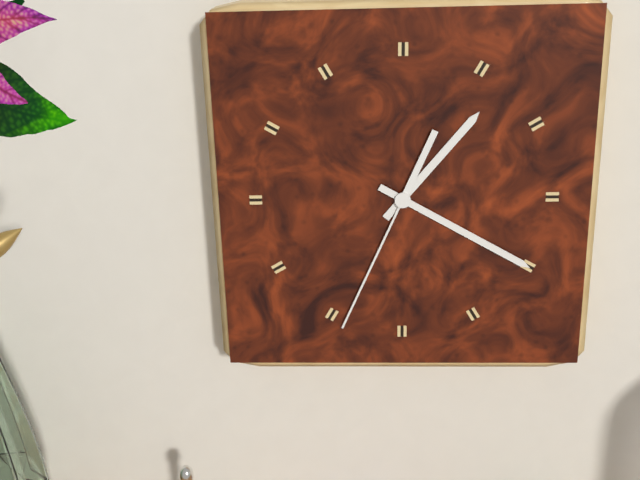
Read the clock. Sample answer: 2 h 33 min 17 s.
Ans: 1 h 20 min 34 s
